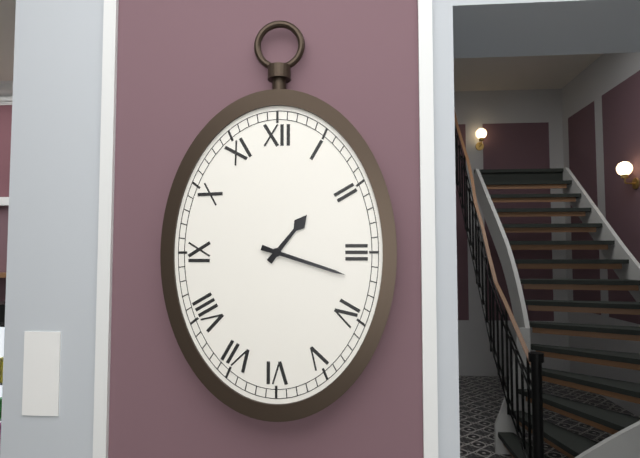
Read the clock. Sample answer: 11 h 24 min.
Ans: 1 h 18 min
